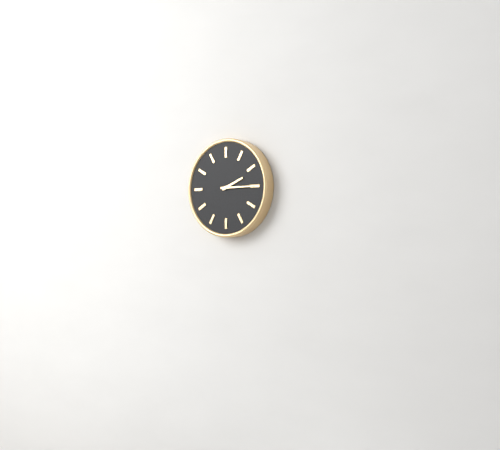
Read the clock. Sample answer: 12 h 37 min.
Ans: 2 h 15 min
